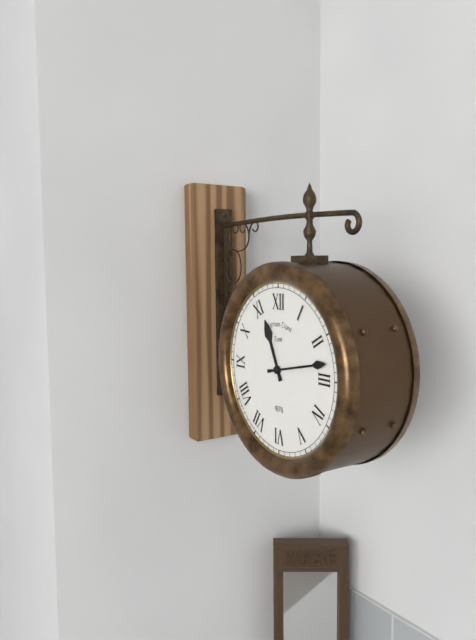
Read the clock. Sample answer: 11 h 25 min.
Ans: 11 h 13 min
